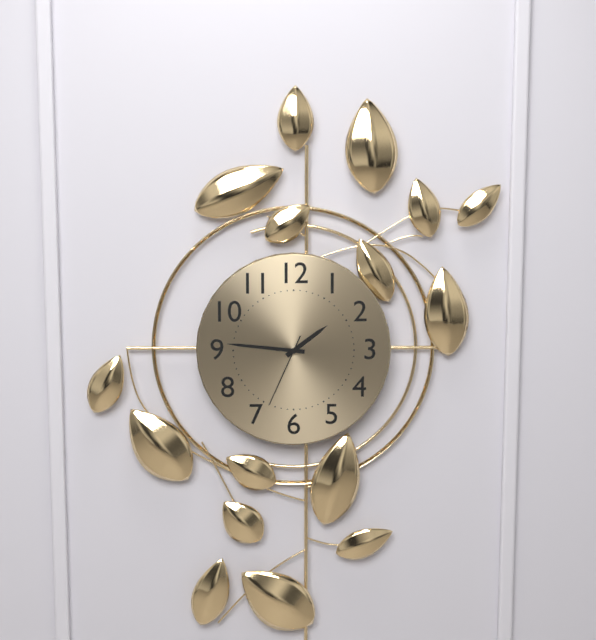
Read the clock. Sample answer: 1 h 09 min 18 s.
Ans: 1 h 46 min 34 s
